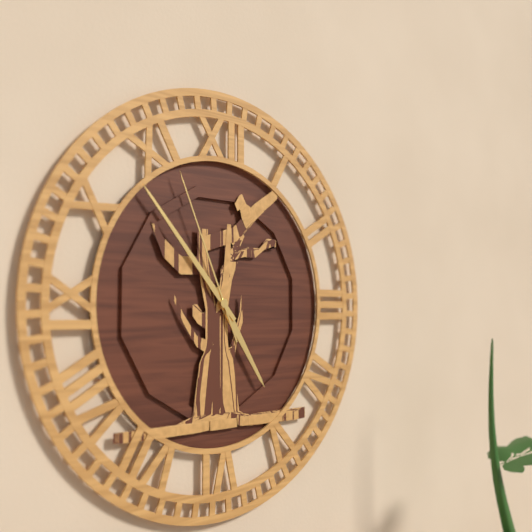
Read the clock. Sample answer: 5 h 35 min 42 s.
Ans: 4 h 53 min 56 s
